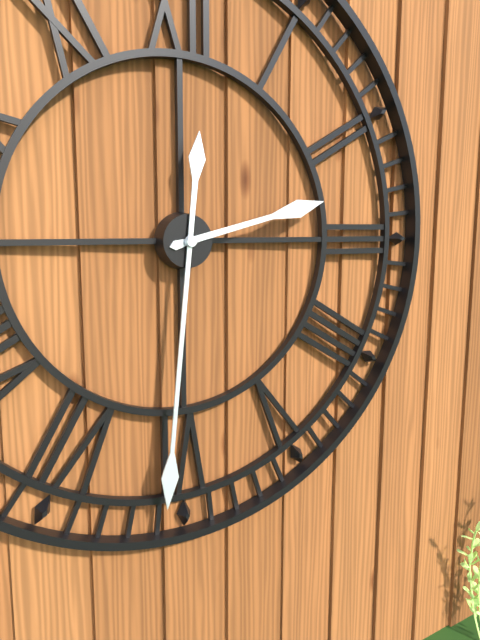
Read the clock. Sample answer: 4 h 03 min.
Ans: 2 h 31 min
